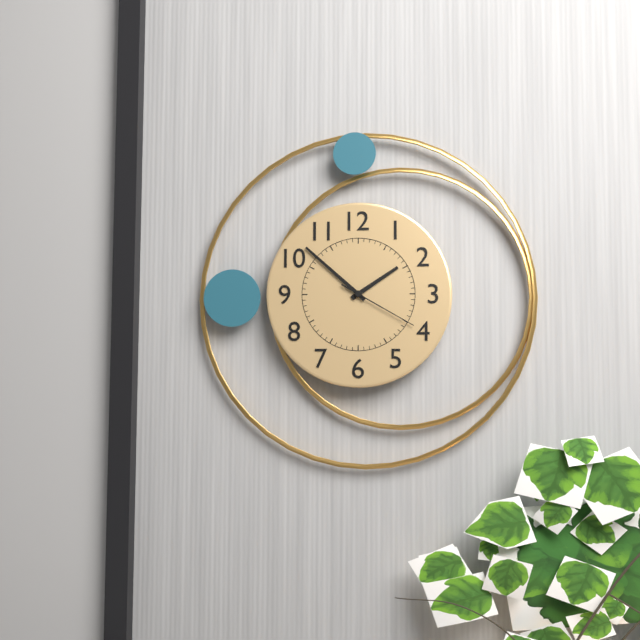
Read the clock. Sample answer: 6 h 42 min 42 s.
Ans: 1 h 52 min 20 s
